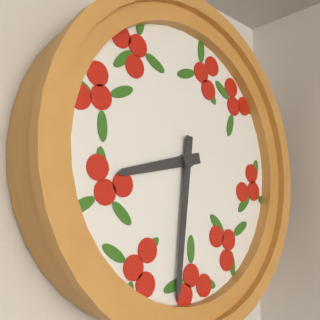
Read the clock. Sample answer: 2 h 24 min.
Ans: 8 h 31 min
